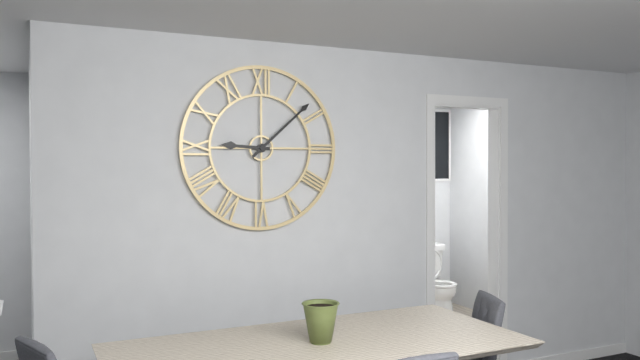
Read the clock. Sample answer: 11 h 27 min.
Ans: 9 h 08 min
